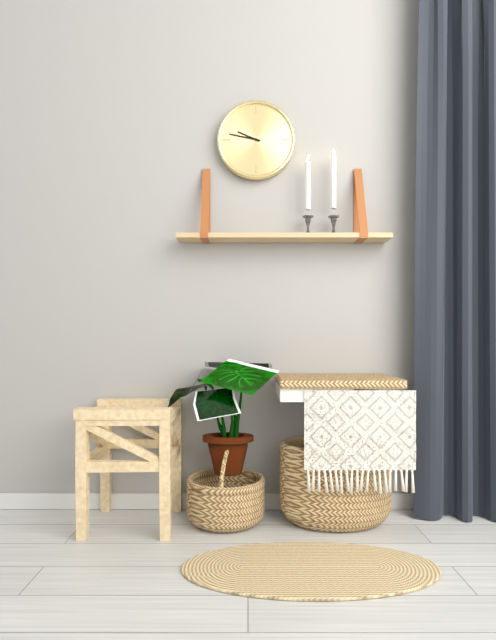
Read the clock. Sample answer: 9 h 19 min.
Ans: 9 h 47 min
